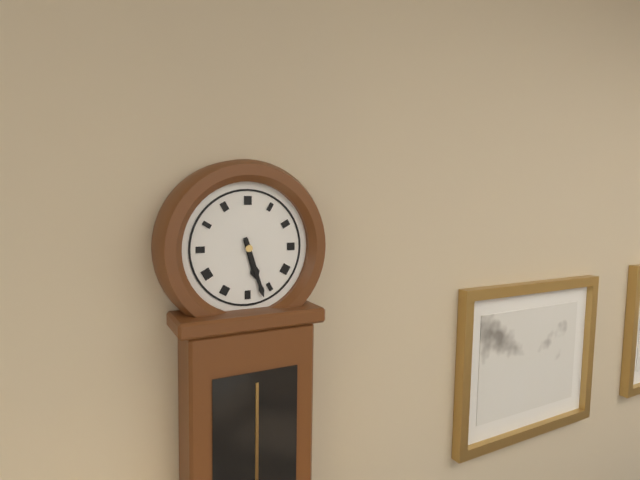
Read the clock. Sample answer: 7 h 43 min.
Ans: 5 h 27 min
